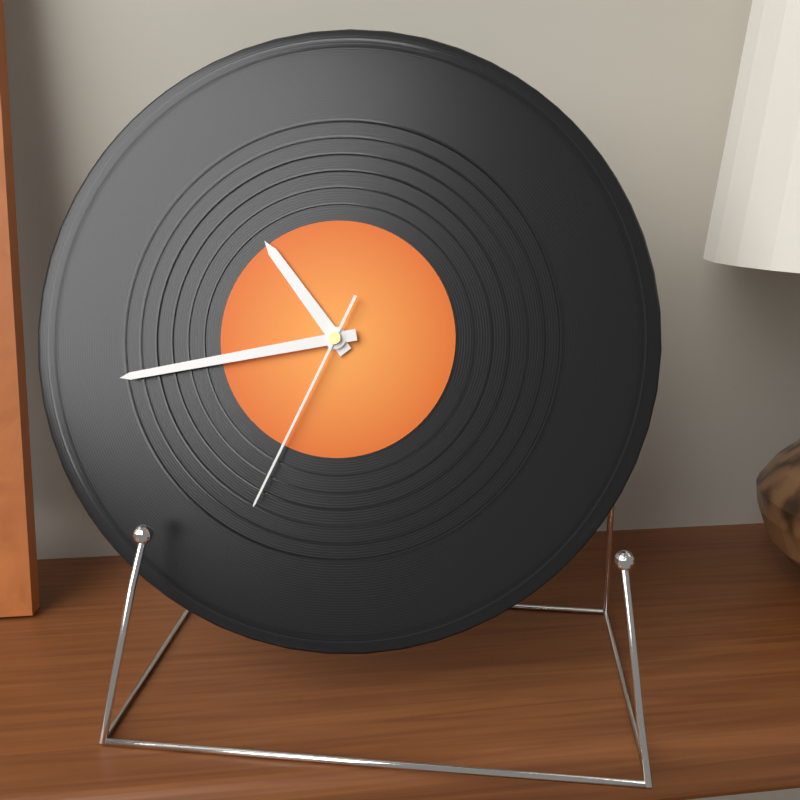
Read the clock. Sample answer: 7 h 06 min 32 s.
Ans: 10 h 43 min 34 s
